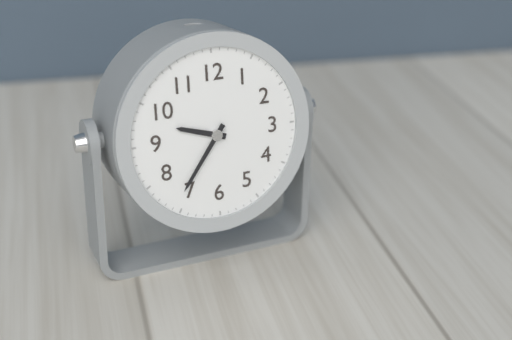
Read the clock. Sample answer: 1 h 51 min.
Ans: 9 h 36 min
